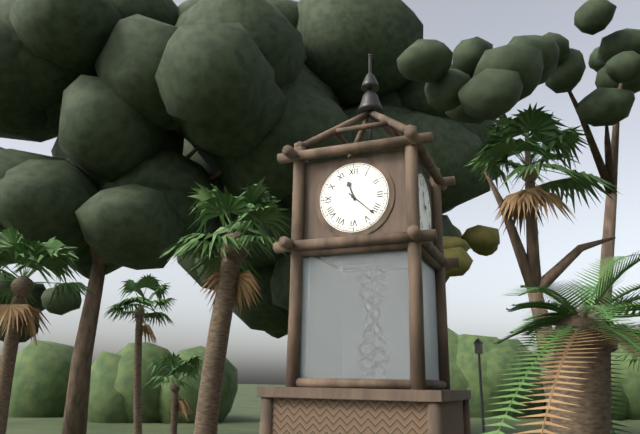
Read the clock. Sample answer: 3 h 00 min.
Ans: 11 h 22 min
